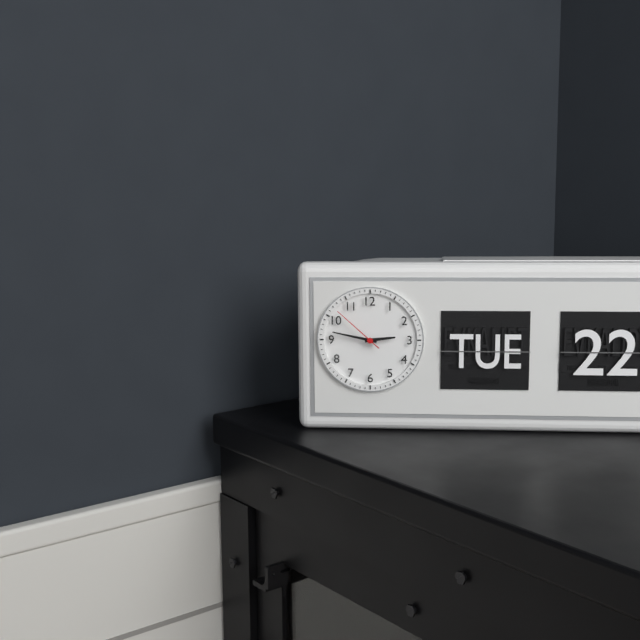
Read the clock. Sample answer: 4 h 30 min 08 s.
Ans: 2 h 47 min 52 s
